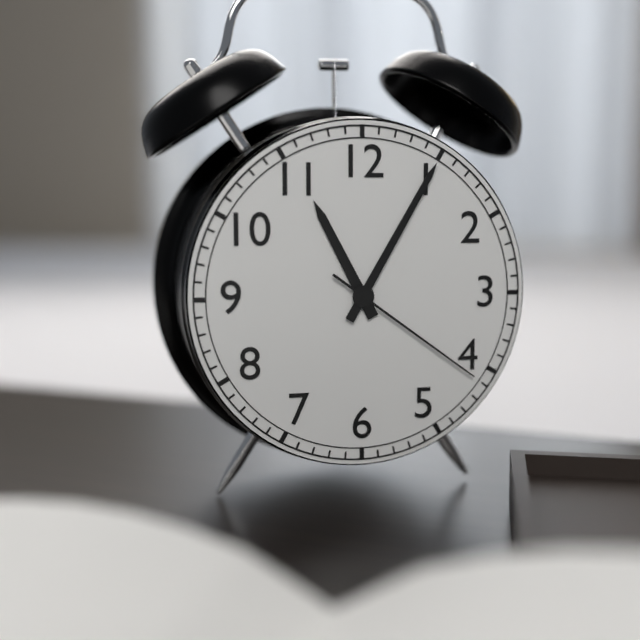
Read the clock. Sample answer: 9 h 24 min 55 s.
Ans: 11 h 05 min 21 s
